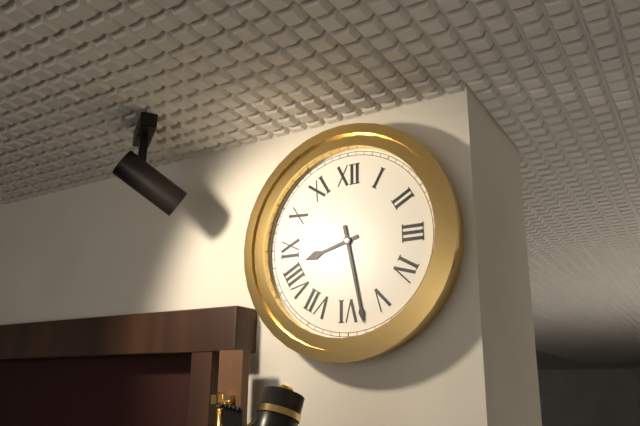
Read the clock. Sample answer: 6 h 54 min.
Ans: 8 h 28 min
